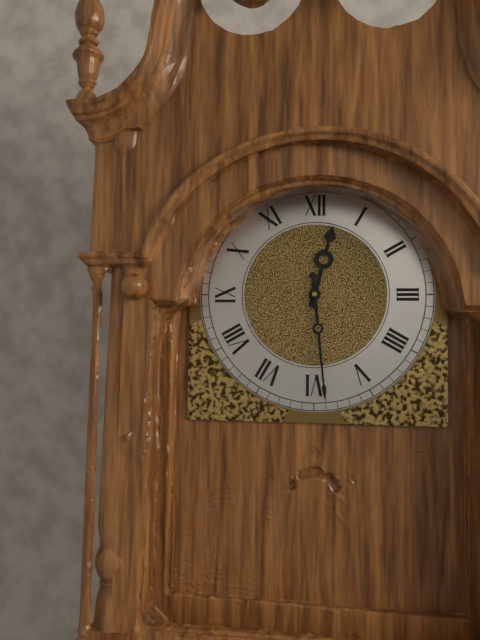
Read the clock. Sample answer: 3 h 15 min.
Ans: 12 h 29 min
